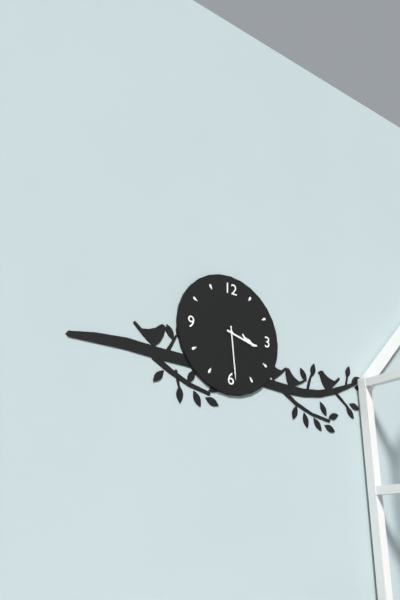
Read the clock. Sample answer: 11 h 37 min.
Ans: 3 h 29 min
